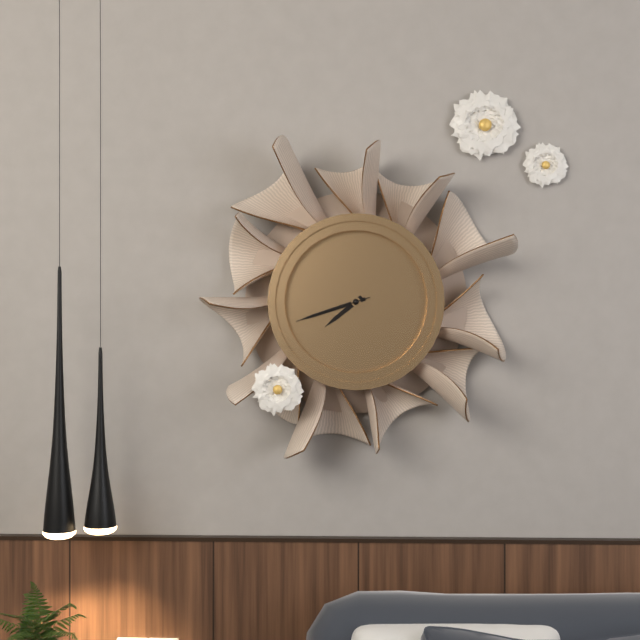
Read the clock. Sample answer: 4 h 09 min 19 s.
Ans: 7 h 42 min 42 s
